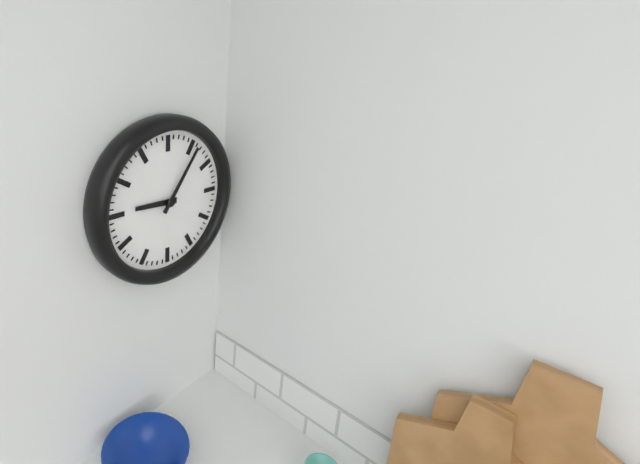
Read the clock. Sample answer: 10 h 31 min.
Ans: 9 h 06 min
